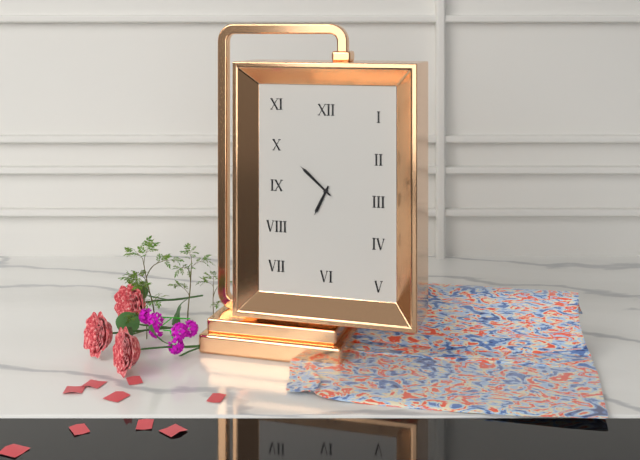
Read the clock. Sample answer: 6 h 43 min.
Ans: 6 h 52 min
